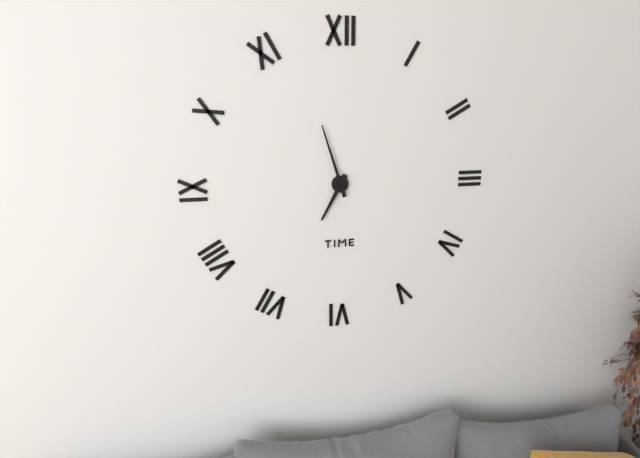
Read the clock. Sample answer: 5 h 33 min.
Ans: 6 h 57 min
